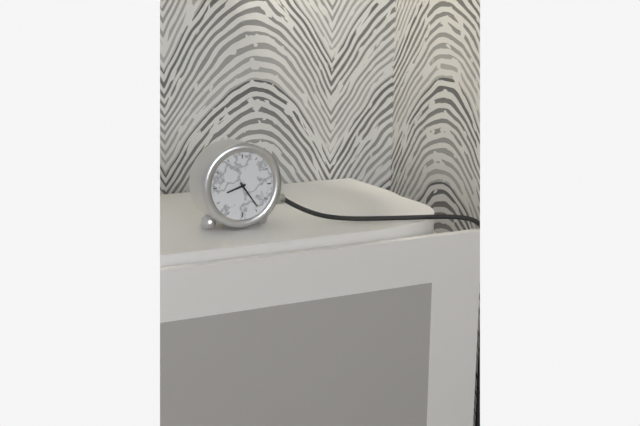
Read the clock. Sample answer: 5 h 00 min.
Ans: 8 h 24 min
